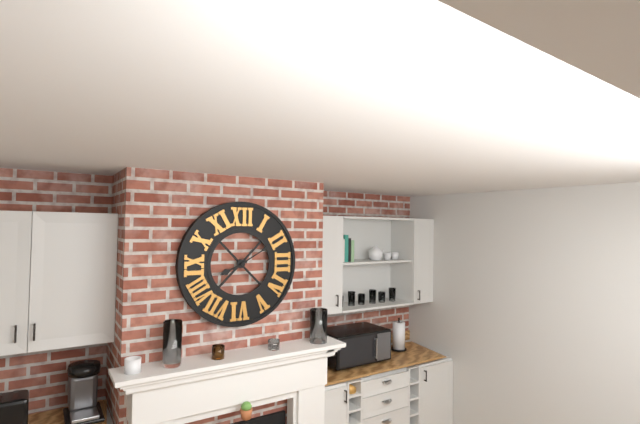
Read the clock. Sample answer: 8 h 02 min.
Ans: 8 h 10 min
